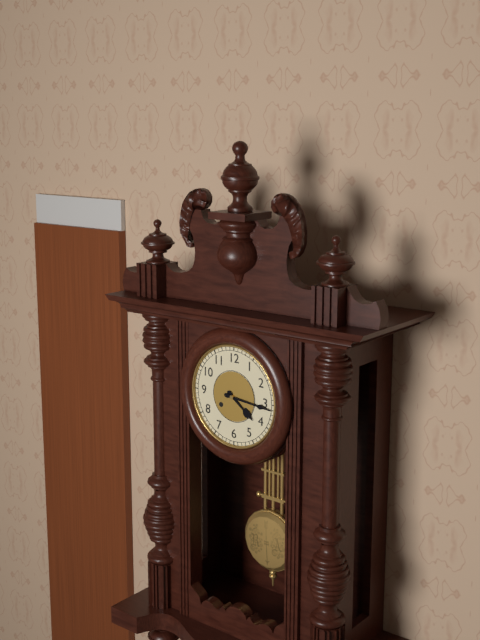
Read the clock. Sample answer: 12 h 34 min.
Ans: 4 h 16 min
